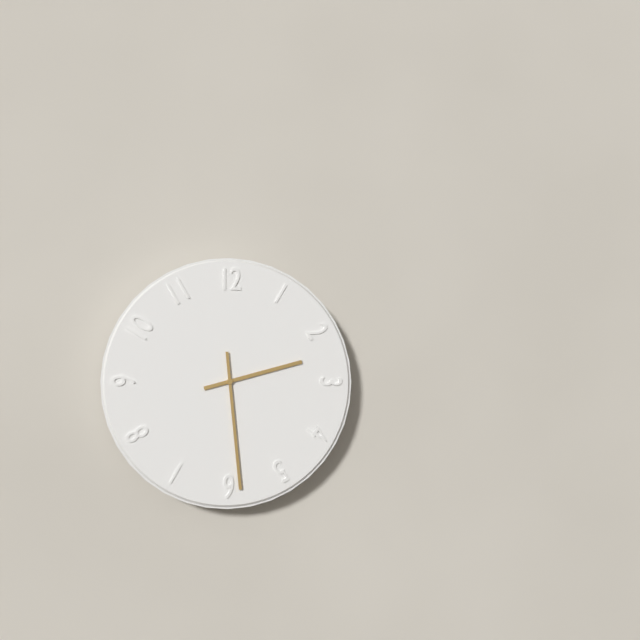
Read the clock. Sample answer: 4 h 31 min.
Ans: 2 h 29 min
